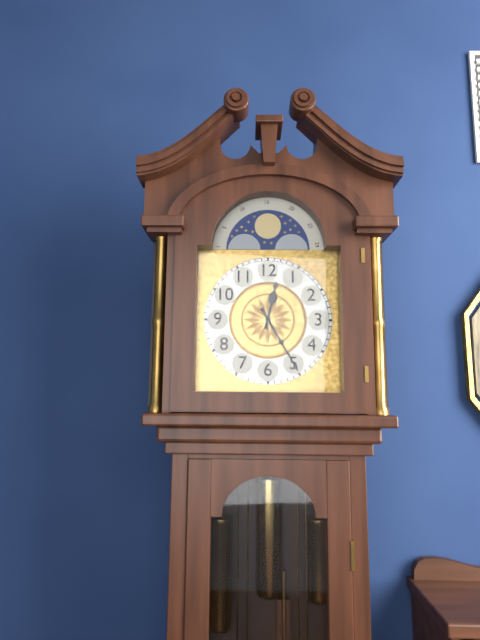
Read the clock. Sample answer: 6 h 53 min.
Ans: 12 h 25 min
